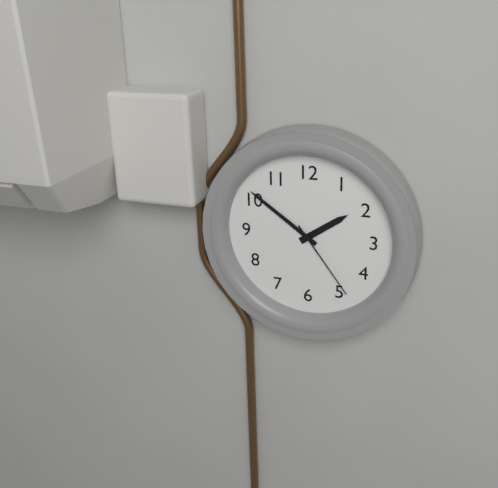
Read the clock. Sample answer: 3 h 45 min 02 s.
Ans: 1 h 51 min 24 s
